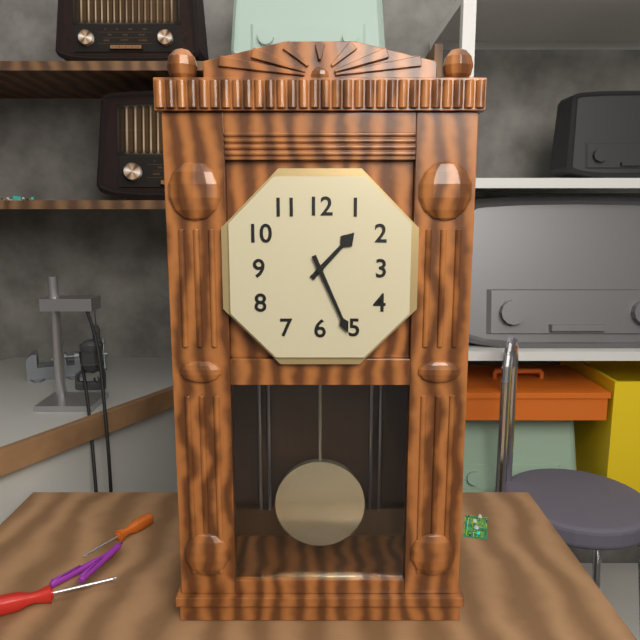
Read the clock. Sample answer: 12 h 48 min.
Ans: 1 h 26 min
